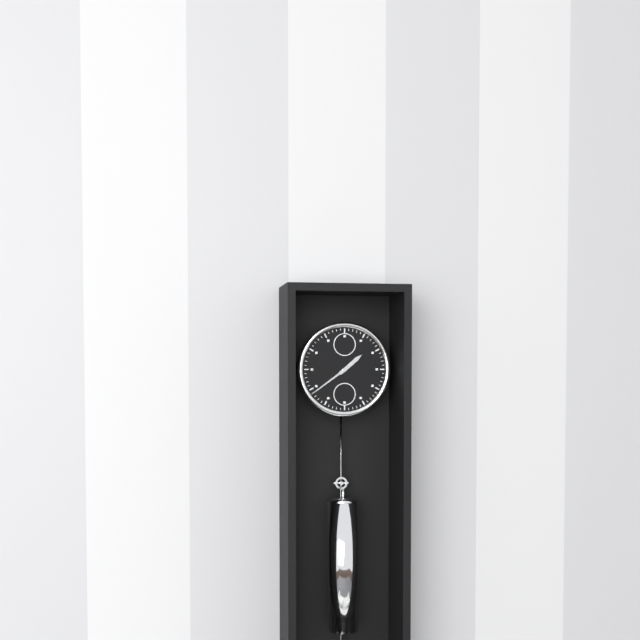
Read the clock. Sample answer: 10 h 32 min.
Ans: 1 h 39 min
